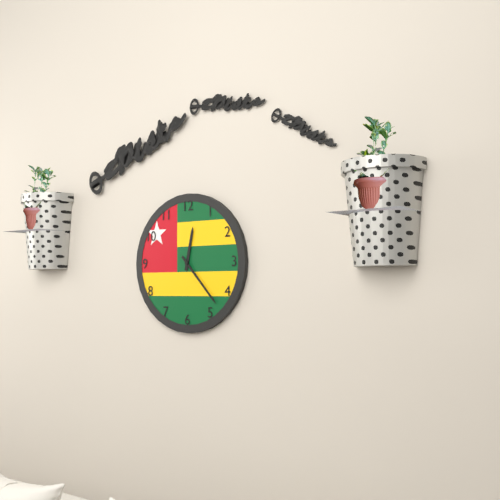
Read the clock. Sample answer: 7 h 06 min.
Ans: 12 h 23 min
